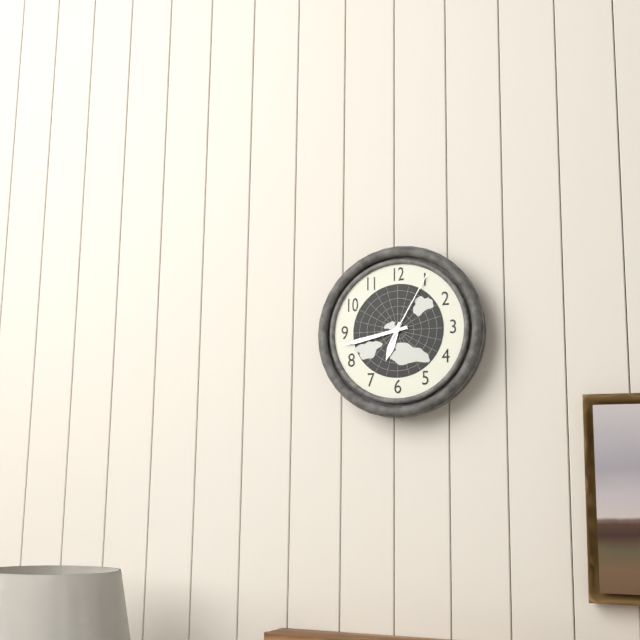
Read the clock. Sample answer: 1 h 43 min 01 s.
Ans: 6 h 43 min 05 s
